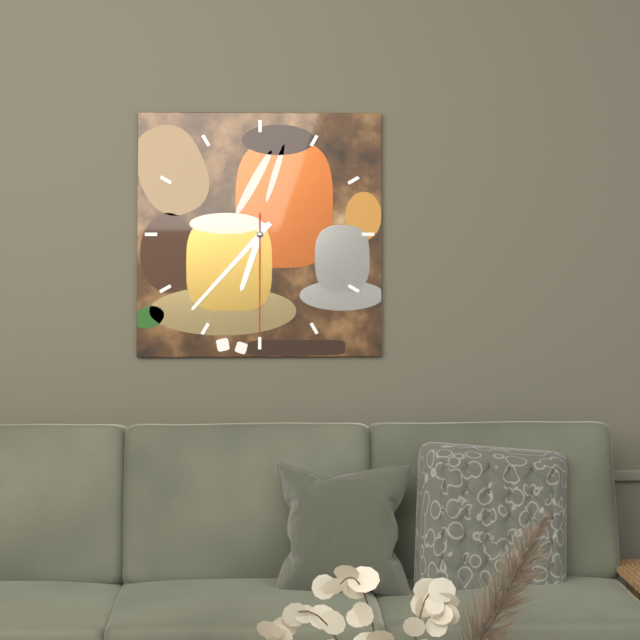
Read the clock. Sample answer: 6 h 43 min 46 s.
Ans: 6 h 37 min 30 s
